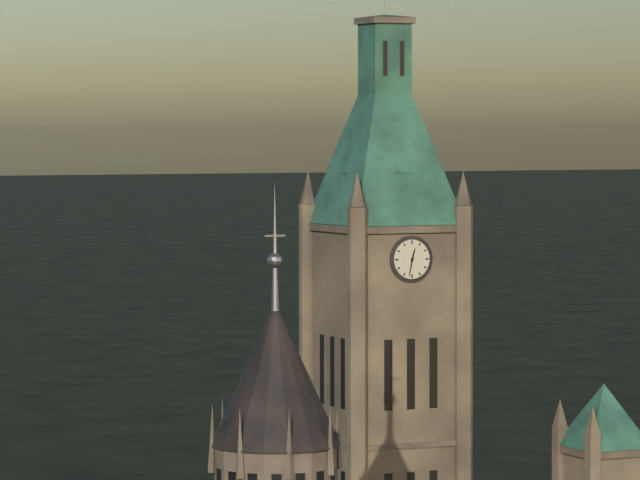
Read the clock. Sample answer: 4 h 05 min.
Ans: 12 h 32 min
